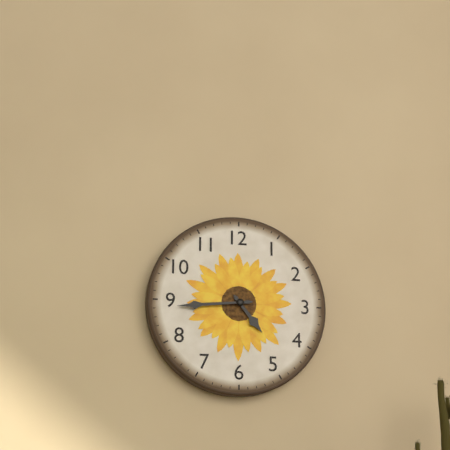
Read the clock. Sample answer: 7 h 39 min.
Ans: 4 h 44 min
